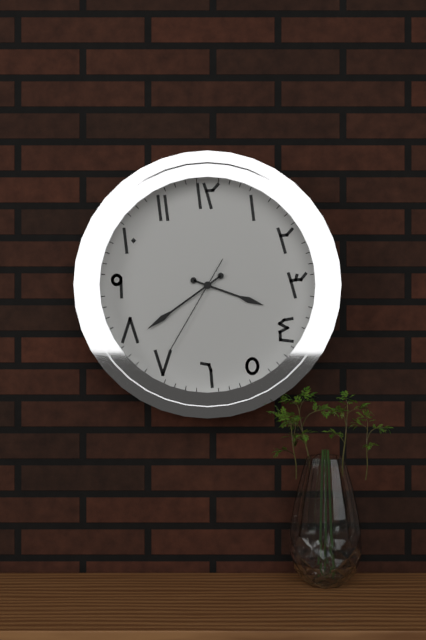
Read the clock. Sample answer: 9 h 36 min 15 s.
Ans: 3 h 39 min 35 s
